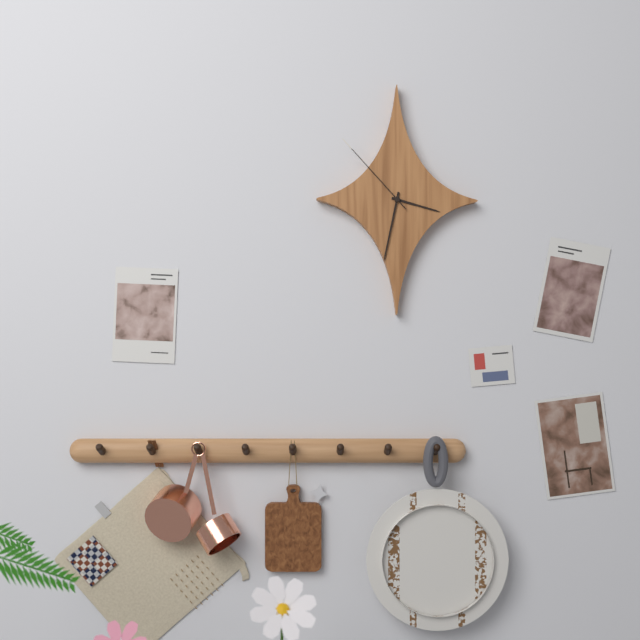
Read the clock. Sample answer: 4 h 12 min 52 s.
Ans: 3 h 32 min 53 s
